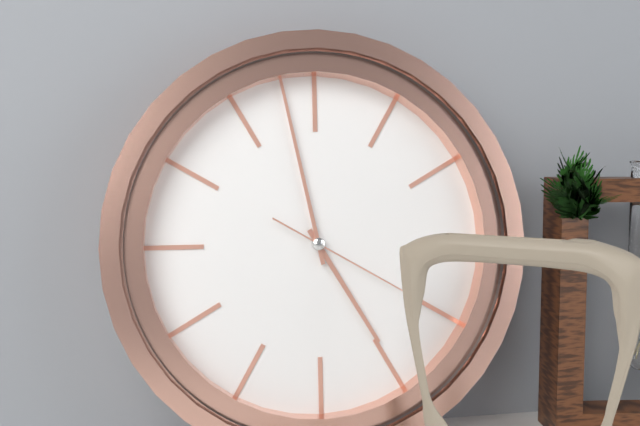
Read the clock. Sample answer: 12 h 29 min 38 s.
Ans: 4 h 58 min 20 s
